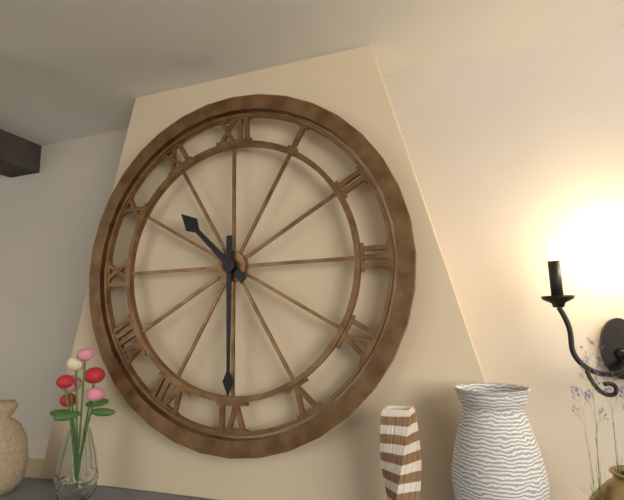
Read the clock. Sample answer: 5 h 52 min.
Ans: 10 h 30 min
